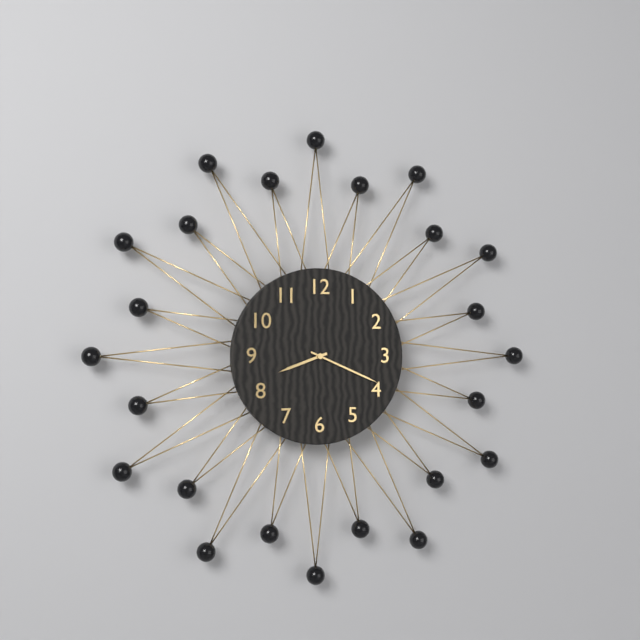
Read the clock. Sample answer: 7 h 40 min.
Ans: 8 h 19 min
